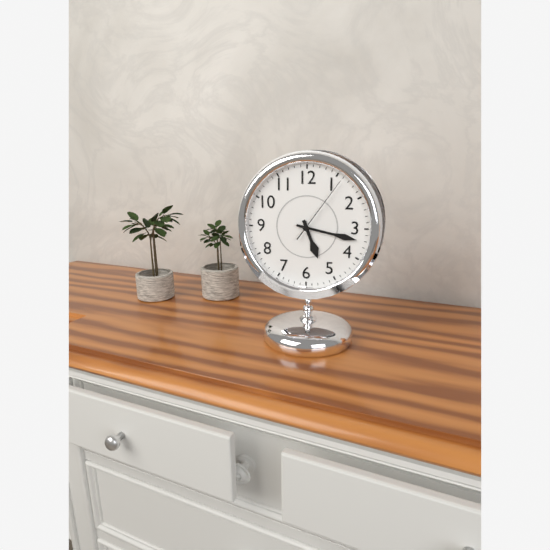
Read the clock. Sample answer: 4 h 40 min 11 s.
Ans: 5 h 17 min 06 s
